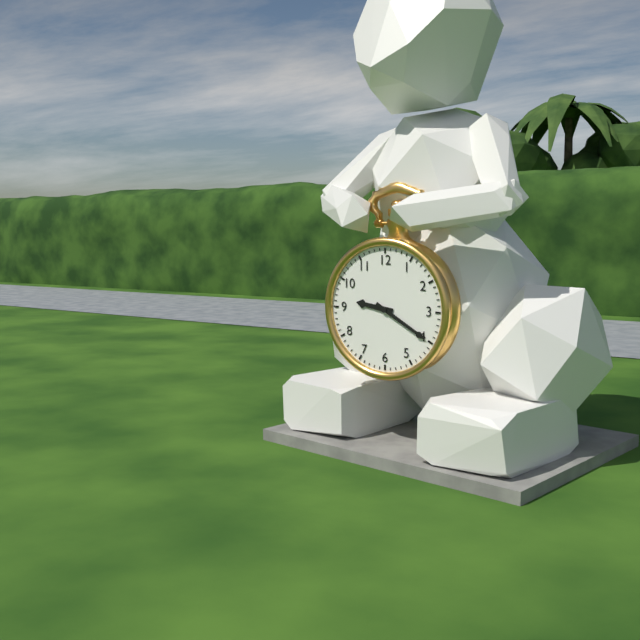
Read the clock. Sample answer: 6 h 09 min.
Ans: 9 h 20 min
